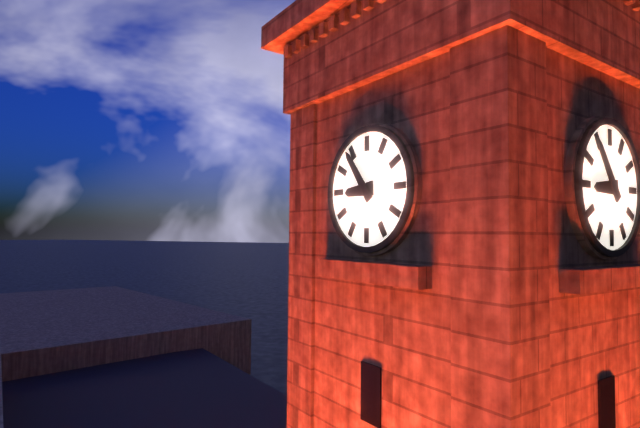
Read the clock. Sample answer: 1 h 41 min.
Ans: 8 h 54 min
